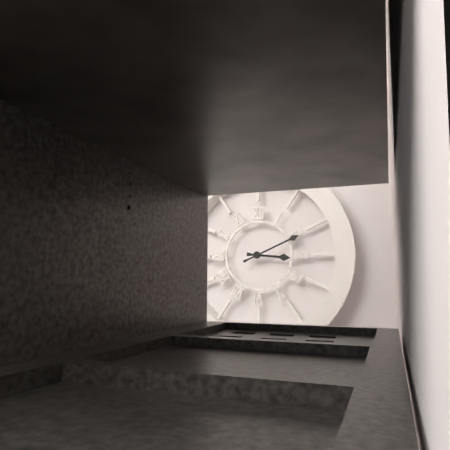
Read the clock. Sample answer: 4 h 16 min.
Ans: 3 h 11 min
